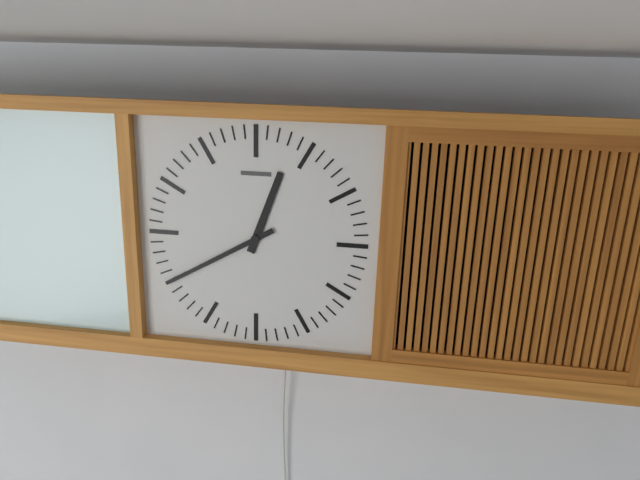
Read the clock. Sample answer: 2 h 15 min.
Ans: 12 h 40 min
